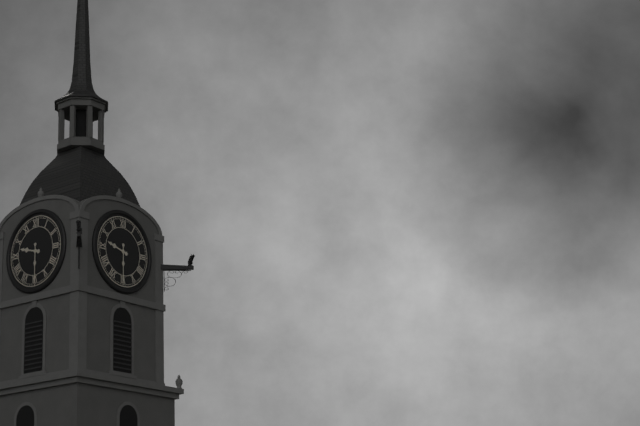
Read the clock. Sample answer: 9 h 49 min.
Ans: 9 h 30 min
